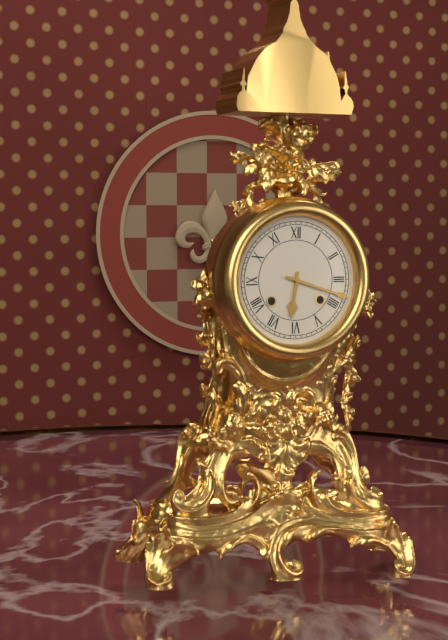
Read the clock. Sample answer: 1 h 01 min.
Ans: 6 h 18 min
